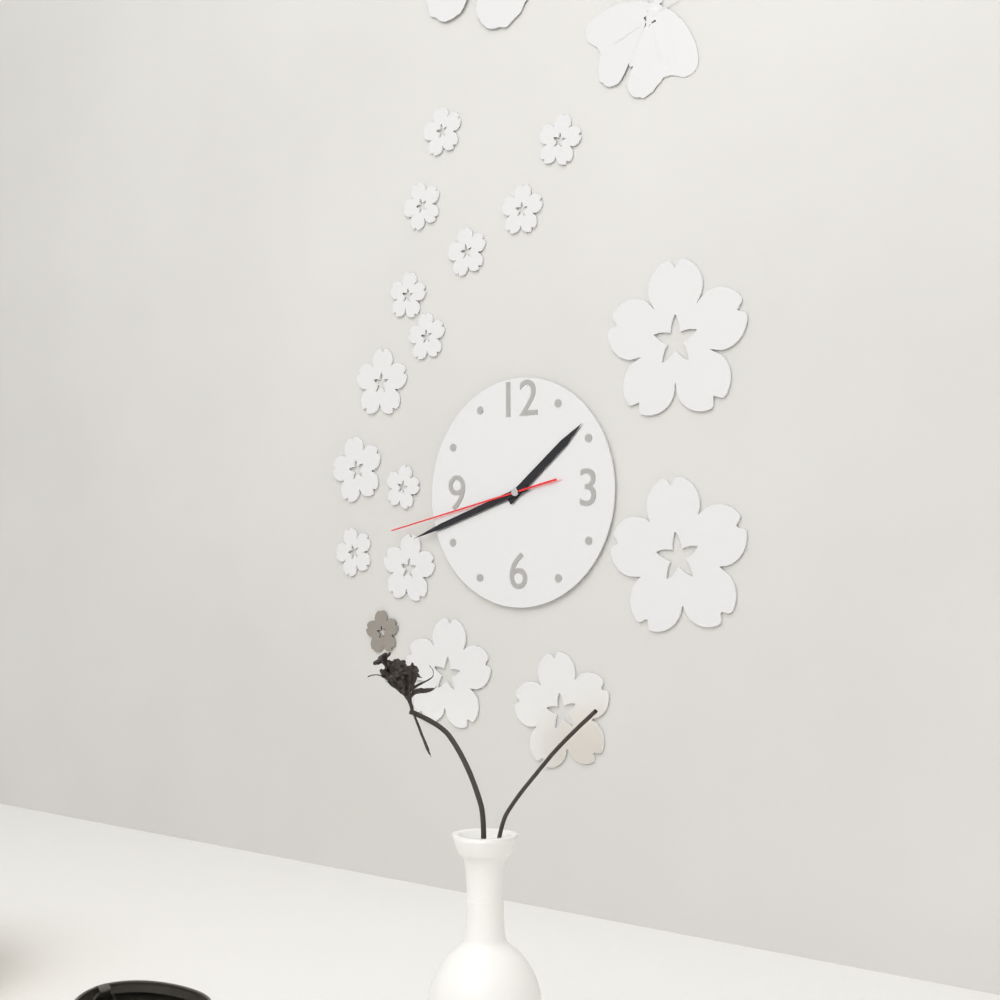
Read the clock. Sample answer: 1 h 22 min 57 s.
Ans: 1 h 42 min 43 s
